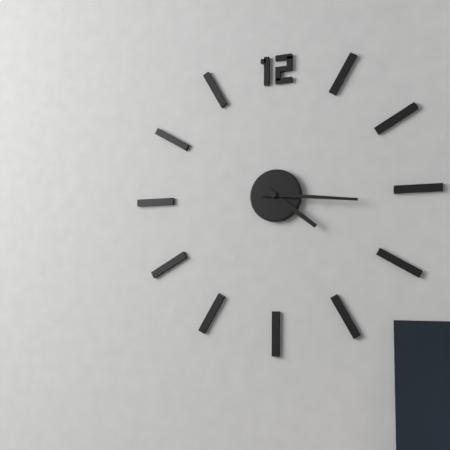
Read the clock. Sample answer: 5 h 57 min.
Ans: 4 h 16 min
